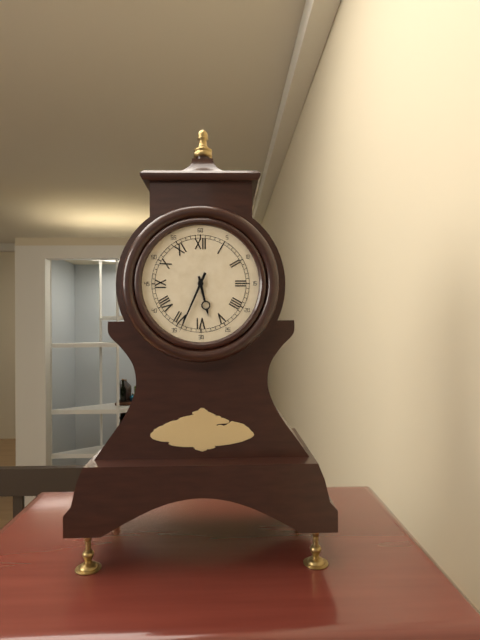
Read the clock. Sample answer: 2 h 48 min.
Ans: 5 h 34 min
